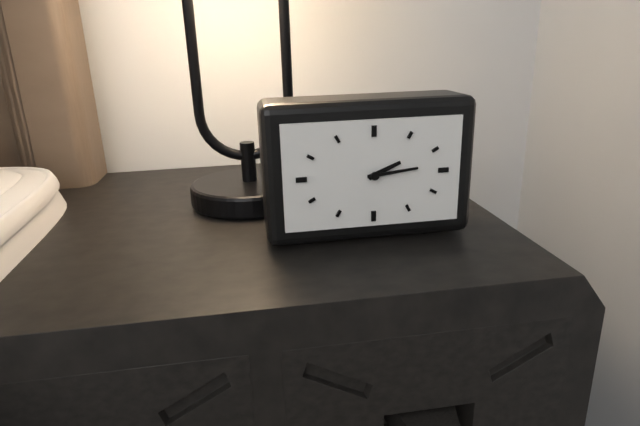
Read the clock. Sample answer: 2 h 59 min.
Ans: 2 h 14 min
